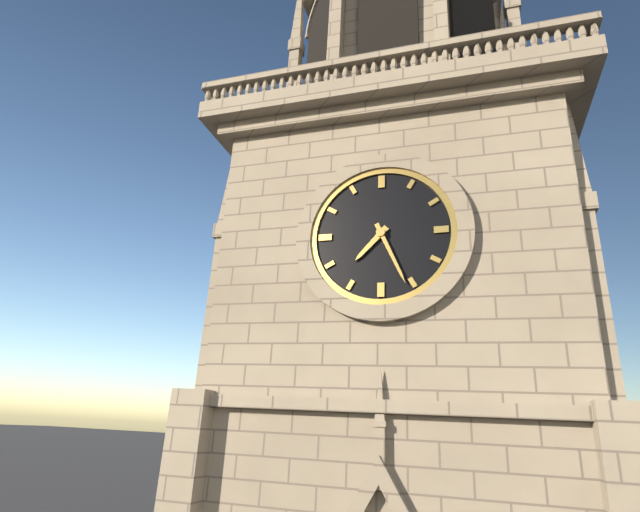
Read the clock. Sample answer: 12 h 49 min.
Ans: 7 h 26 min
